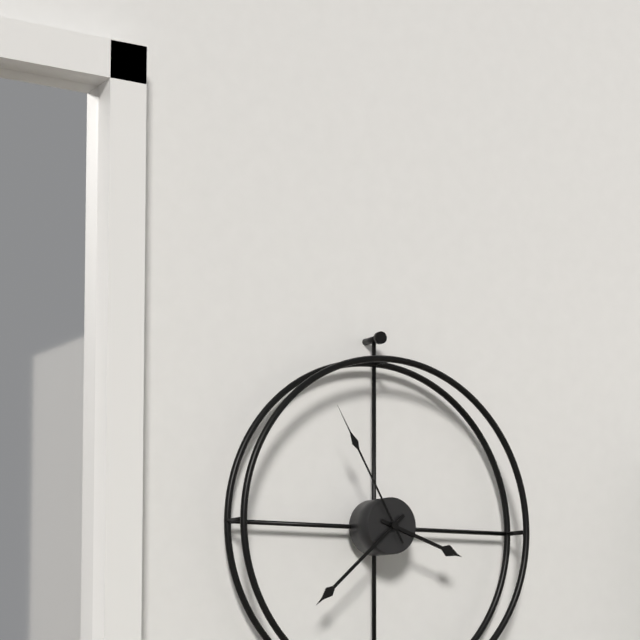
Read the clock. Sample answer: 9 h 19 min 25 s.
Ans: 3 h 38 min 55 s
